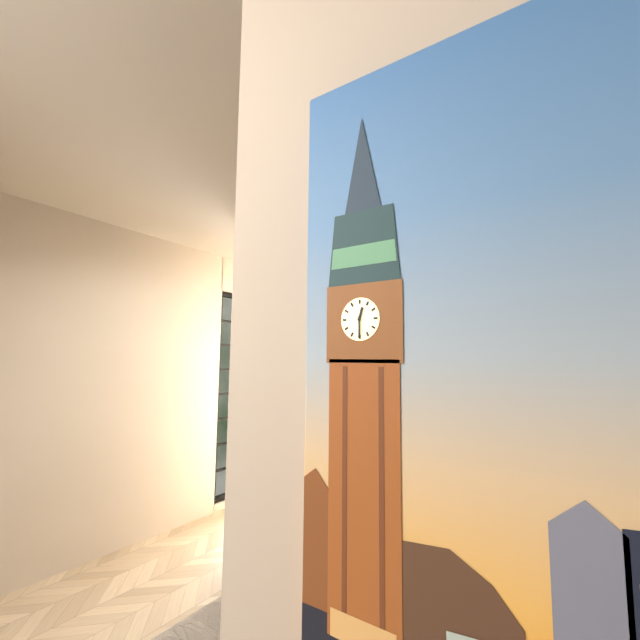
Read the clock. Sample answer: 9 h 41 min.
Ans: 12 h 30 min
